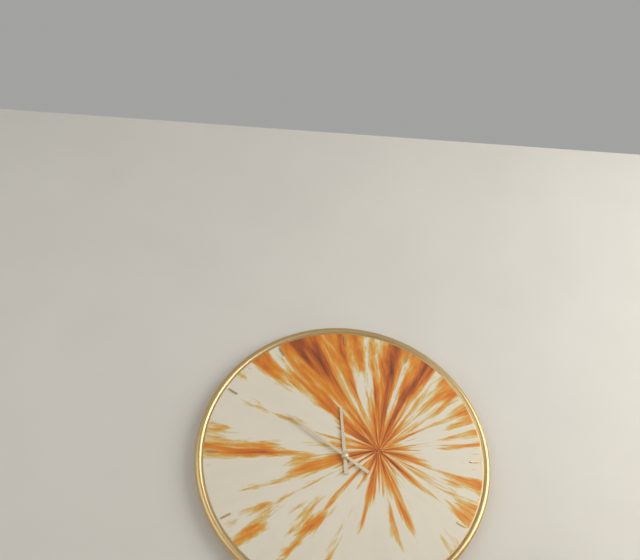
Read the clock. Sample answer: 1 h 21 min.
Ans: 11 h 51 min
